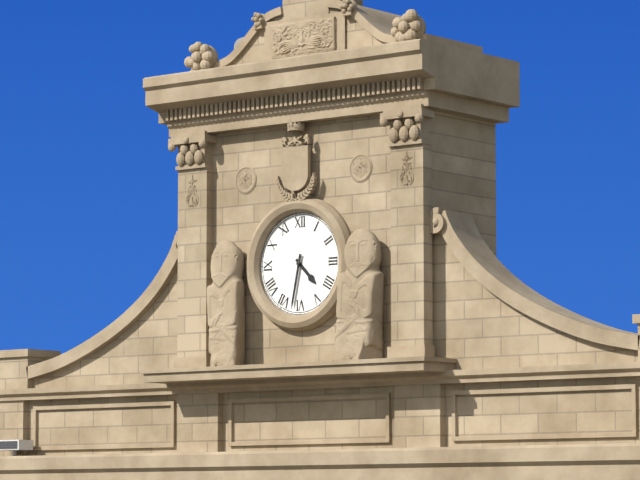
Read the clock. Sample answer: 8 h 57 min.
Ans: 4 h 32 min
